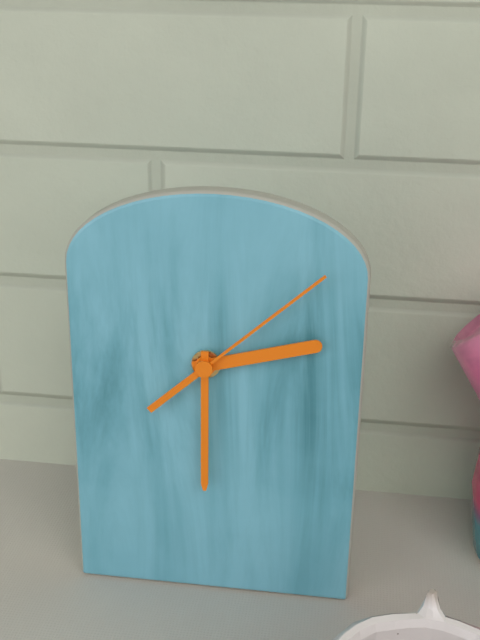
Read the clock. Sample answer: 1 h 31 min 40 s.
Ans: 2 h 30 min 08 s
